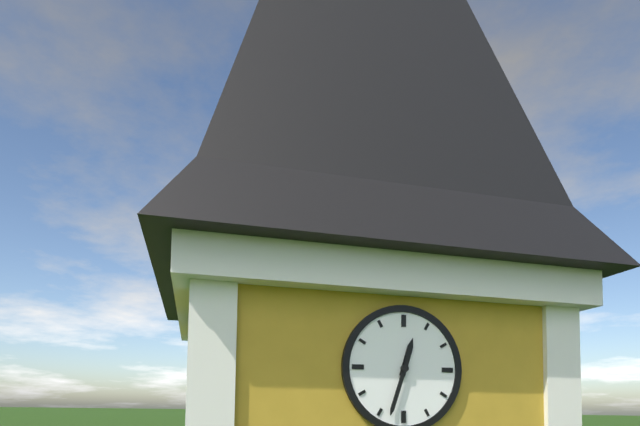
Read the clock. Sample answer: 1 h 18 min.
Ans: 12 h 33 min
